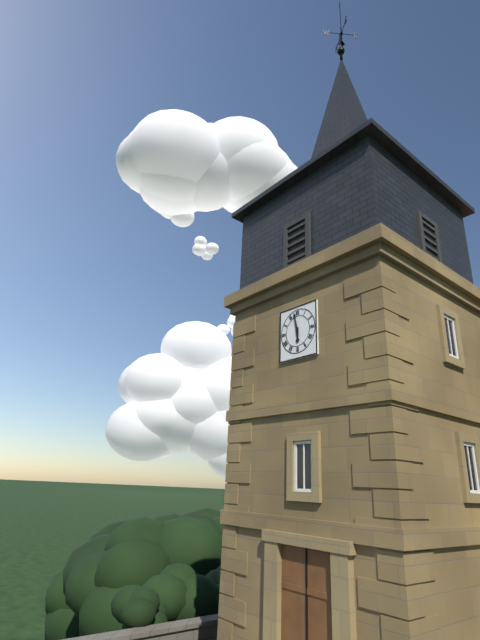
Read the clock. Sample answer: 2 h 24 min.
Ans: 5 h 58 min
